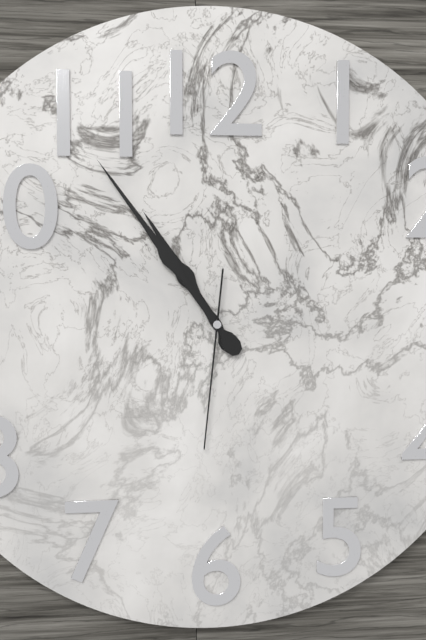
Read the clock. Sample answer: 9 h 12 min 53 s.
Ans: 10 h 54 min 31 s
